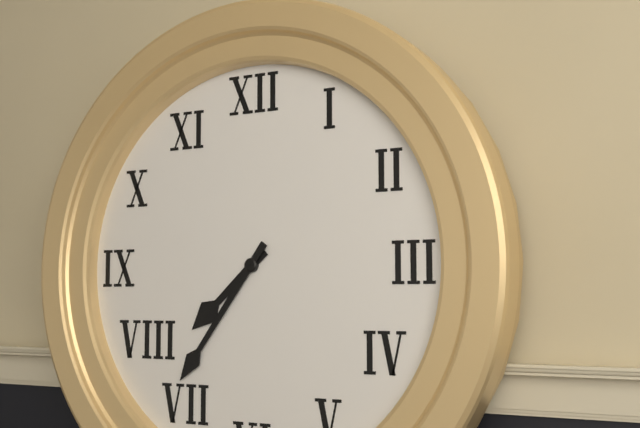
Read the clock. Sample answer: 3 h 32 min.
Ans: 7 h 36 min
